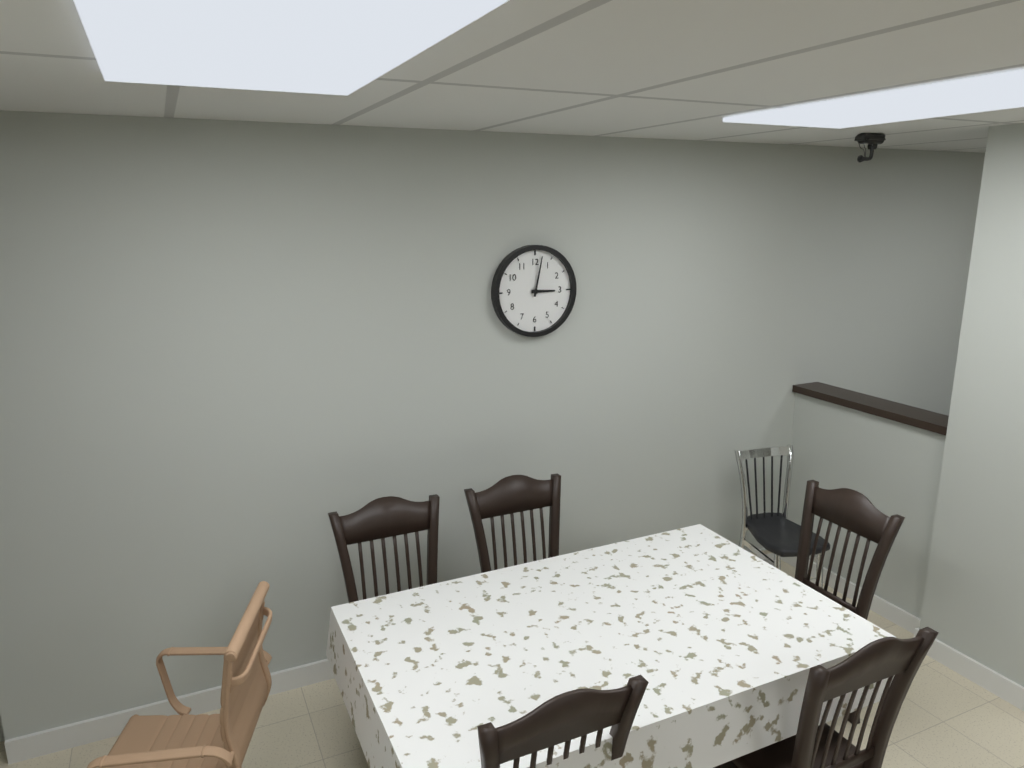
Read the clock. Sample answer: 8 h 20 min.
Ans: 3 h 02 min
